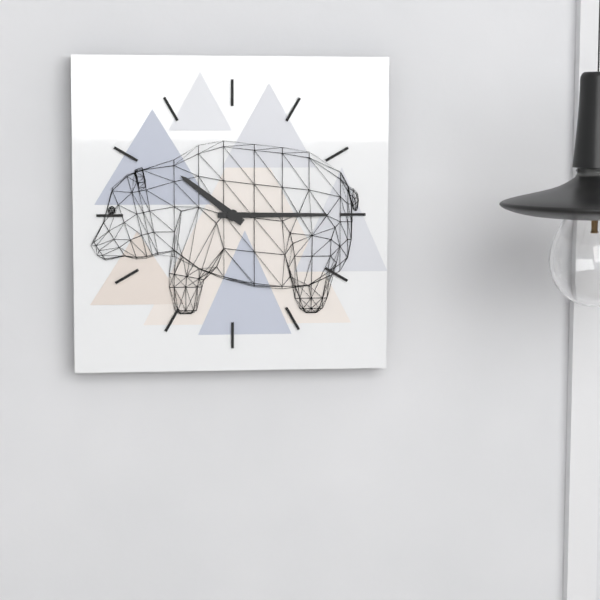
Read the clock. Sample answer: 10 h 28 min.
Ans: 10 h 15 min
